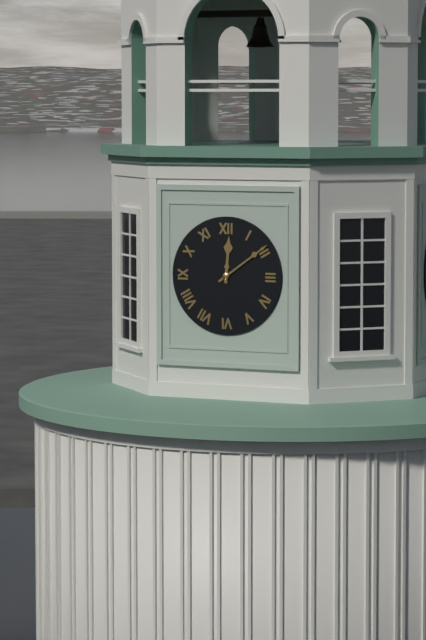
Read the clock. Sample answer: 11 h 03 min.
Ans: 12 h 09 min
